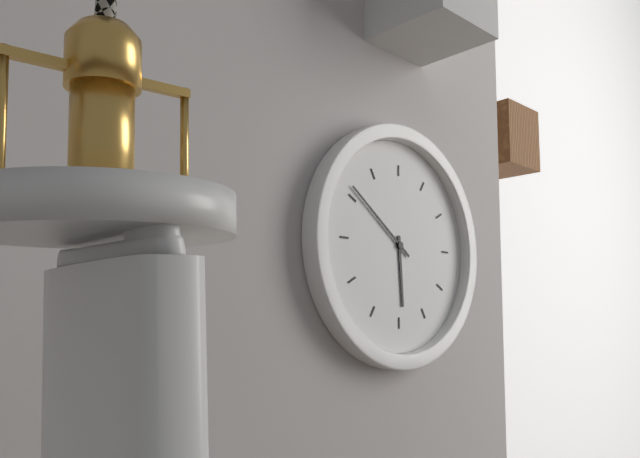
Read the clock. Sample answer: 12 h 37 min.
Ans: 5 h 51 min
